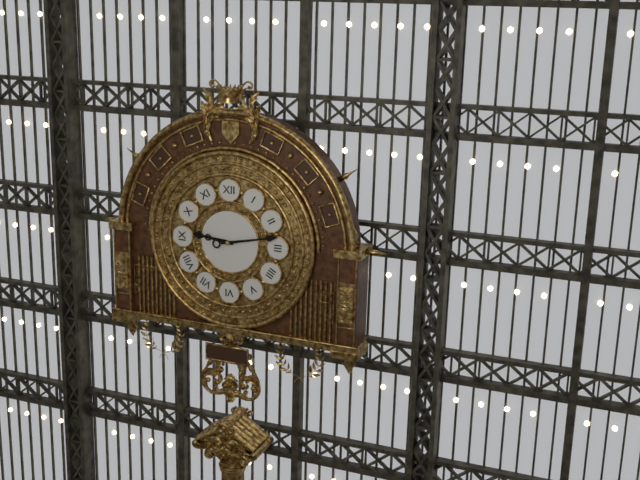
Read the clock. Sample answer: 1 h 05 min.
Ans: 9 h 13 min
